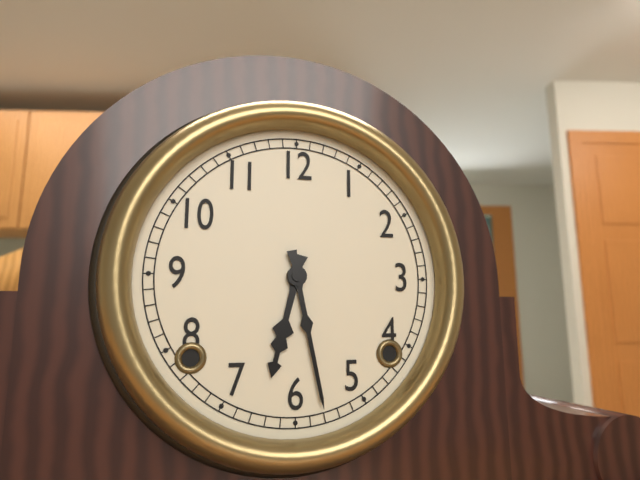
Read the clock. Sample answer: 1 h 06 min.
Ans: 6 h 28 min
